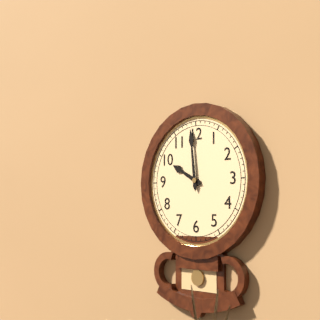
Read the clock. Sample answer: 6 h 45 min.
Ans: 9 h 59 min
